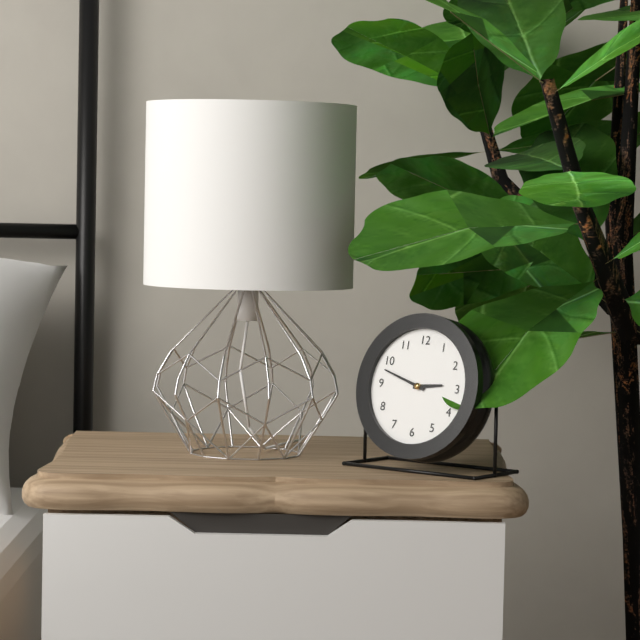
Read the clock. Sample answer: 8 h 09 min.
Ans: 2 h 48 min
